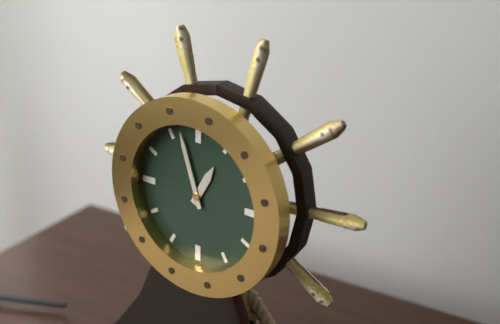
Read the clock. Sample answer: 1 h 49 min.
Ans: 12 h 57 min
